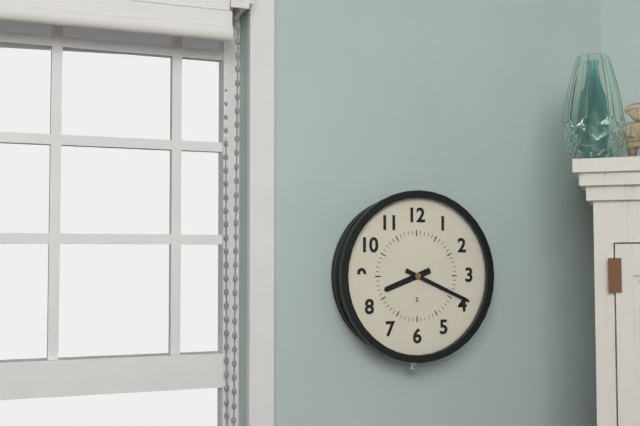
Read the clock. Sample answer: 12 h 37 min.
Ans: 8 h 19 min
